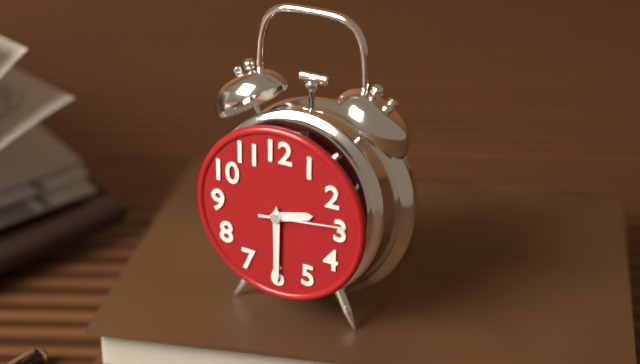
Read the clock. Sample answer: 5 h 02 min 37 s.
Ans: 2 h 30 min 14 s
